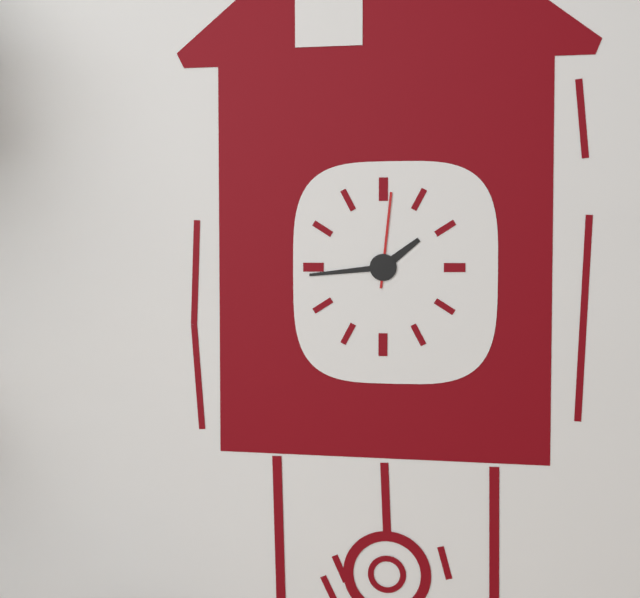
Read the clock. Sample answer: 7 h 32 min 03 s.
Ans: 1 h 44 min 01 s
